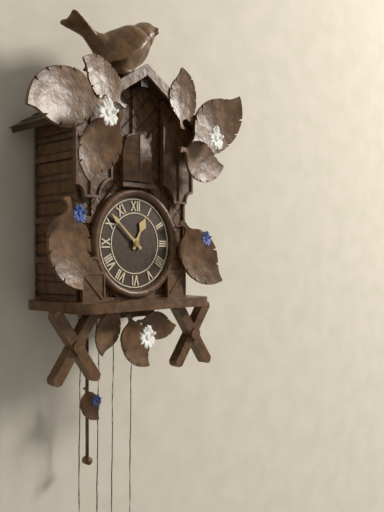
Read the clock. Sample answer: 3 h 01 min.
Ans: 12 h 52 min
